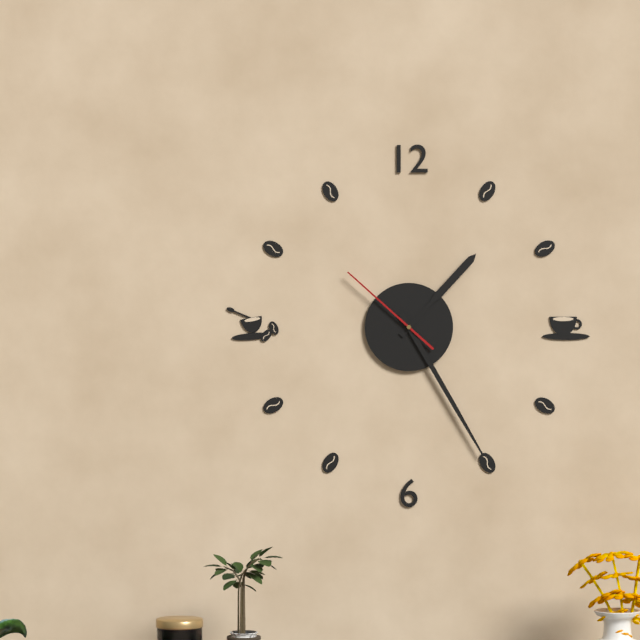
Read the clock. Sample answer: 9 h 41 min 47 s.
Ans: 1 h 25 min 52 s
